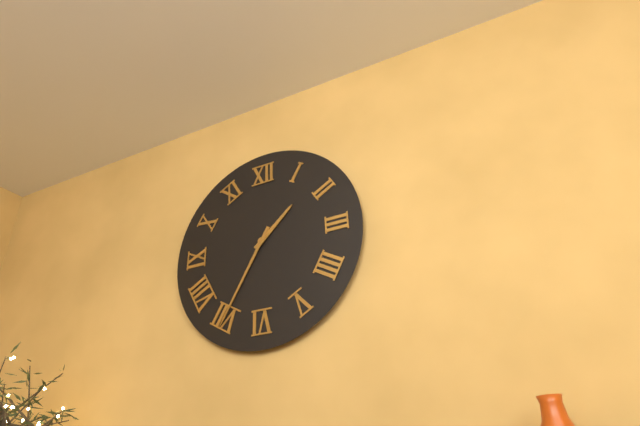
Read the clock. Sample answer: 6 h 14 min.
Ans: 1 h 35 min
